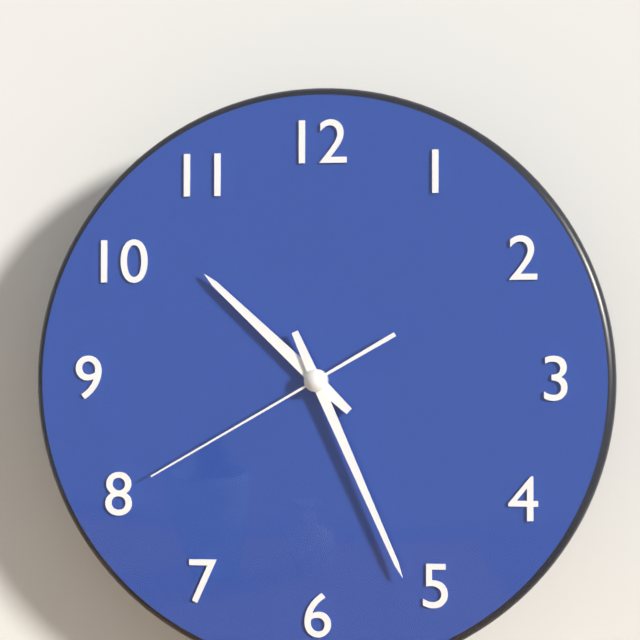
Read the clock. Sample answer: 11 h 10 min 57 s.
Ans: 10 h 26 min 40 s
